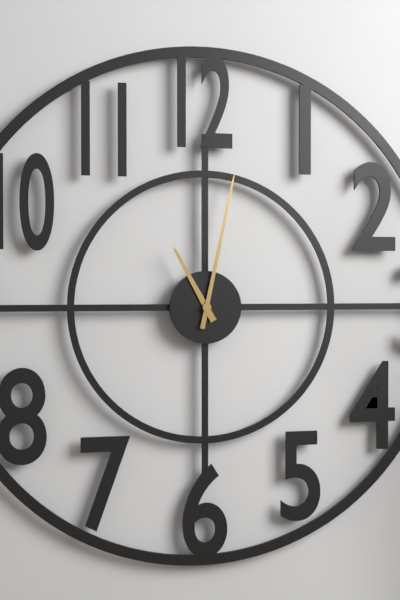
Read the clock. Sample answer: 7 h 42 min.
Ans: 11 h 02 min
